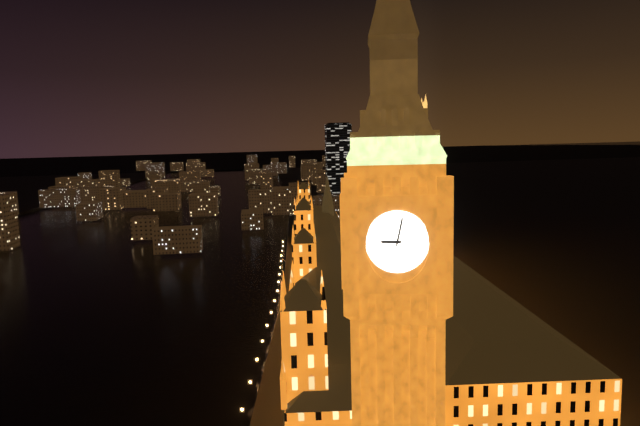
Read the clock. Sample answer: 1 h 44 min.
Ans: 9 h 02 min
